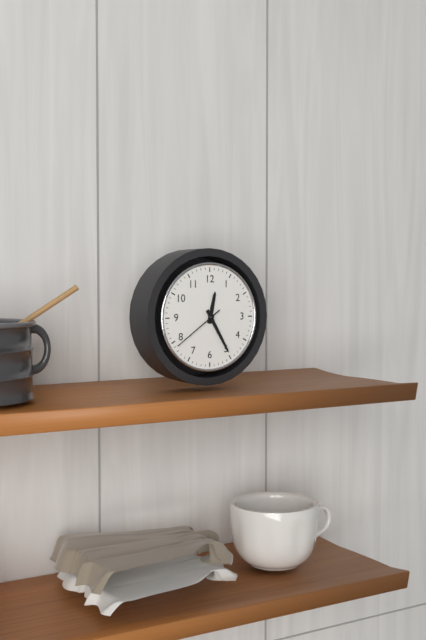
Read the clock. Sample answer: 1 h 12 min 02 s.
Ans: 12 h 25 min 39 s
